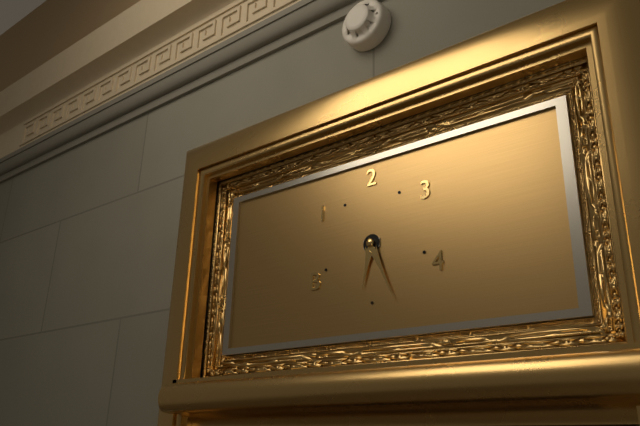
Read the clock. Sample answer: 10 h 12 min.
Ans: 6 h 26 min
